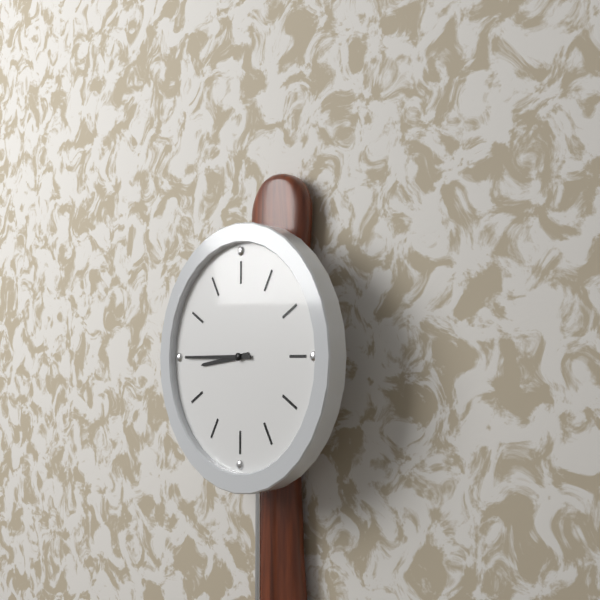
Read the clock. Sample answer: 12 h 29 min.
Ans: 8 h 45 min
